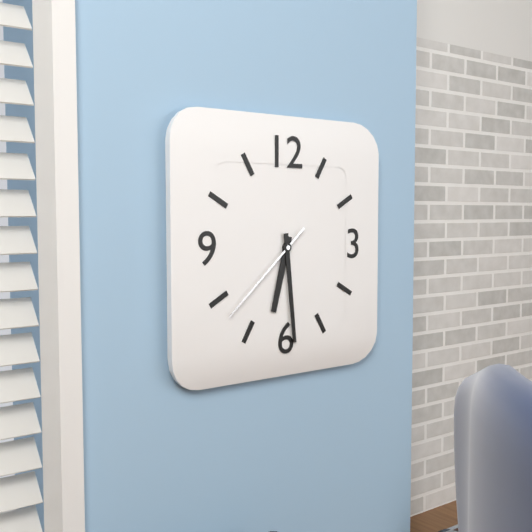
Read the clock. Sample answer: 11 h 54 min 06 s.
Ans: 6 h 29 min 38 s
